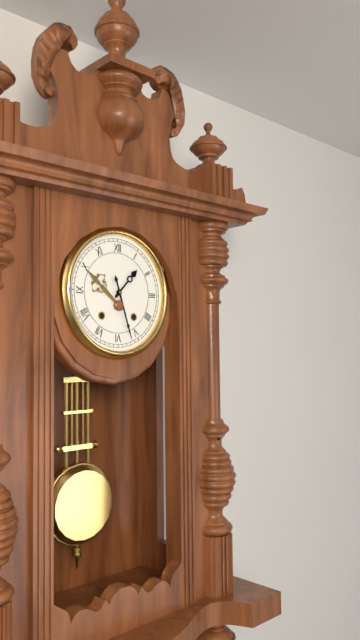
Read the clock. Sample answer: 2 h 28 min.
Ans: 1 h 27 min
